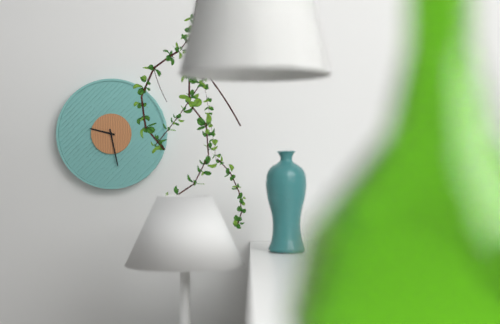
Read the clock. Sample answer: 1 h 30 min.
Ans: 9 h 28 min
